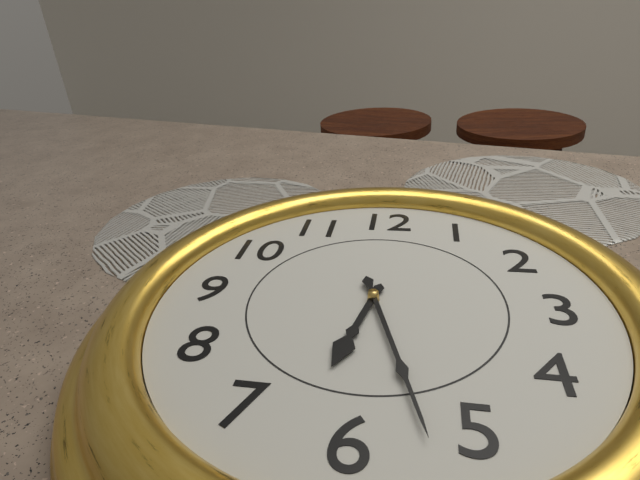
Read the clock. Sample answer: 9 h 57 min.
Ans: 6 h 27 min
